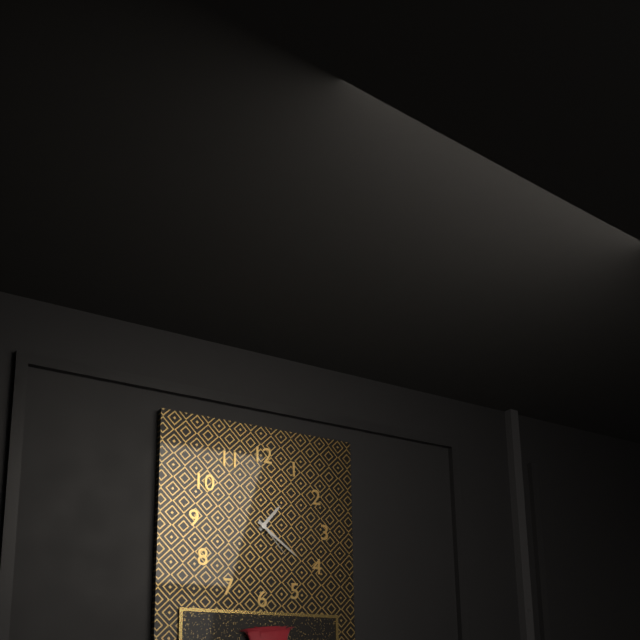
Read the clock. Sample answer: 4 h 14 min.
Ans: 1 h 21 min
